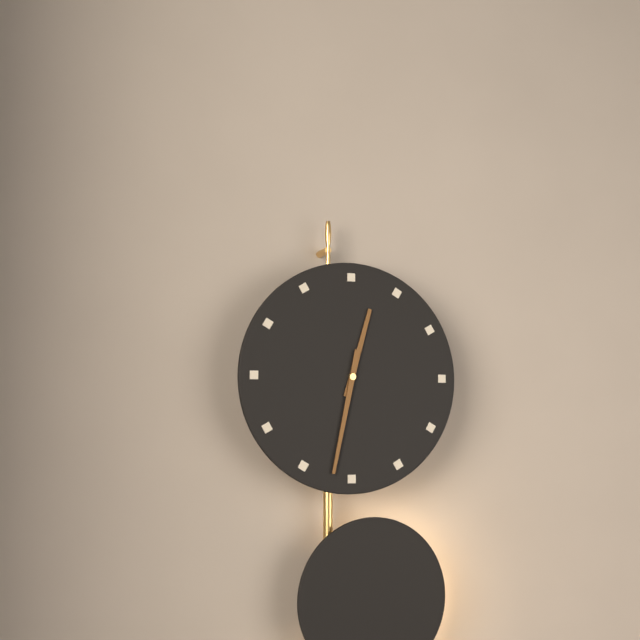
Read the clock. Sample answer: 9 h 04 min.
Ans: 12 h 32 min
